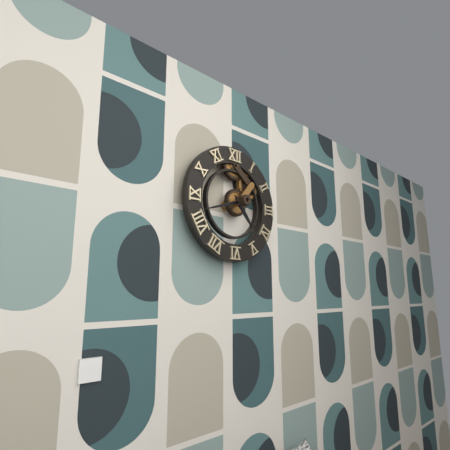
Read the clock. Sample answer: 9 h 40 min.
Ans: 4 h 42 min
